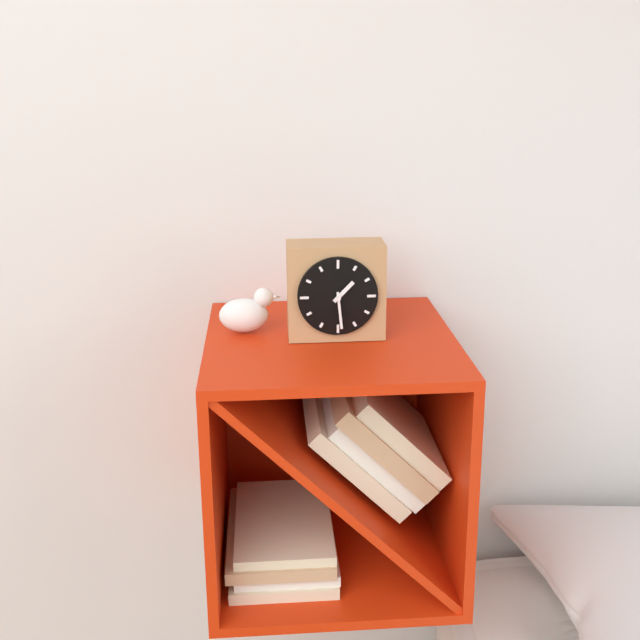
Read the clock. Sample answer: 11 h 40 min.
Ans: 1 h 29 min
